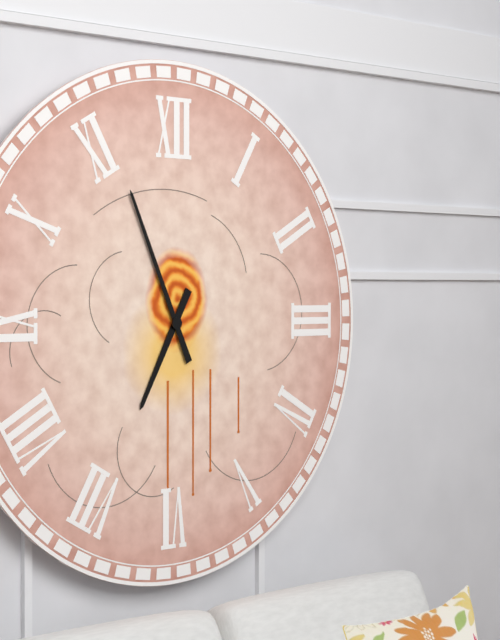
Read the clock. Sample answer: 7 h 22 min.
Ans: 6 h 56 min
